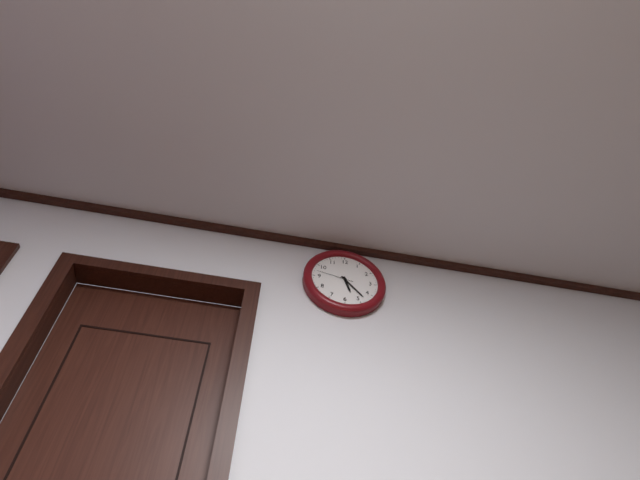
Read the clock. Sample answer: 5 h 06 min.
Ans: 5 h 23 min
